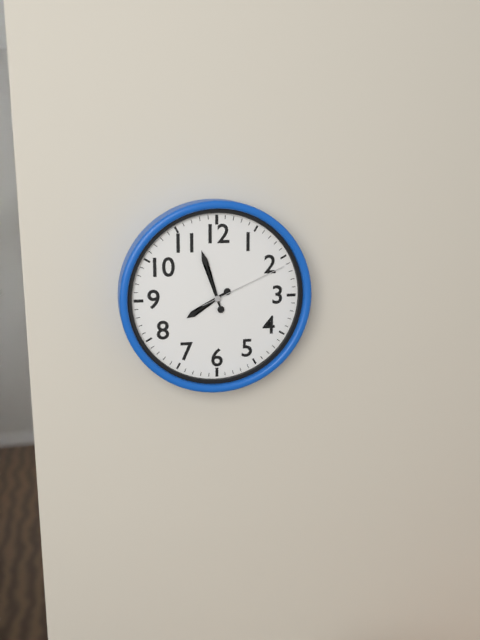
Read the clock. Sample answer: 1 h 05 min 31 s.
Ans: 7 h 57 min 11 s
